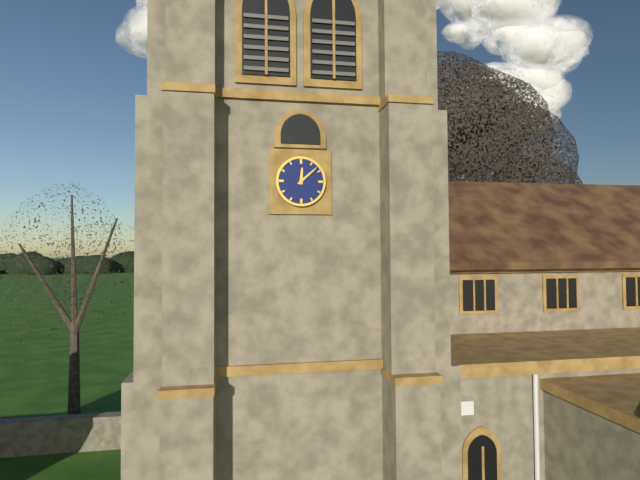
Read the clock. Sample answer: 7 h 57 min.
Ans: 12 h 08 min
